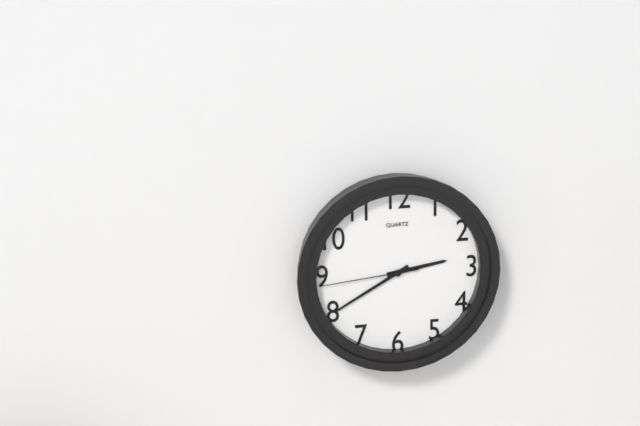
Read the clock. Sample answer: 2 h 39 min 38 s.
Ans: 2 h 40 min 44 s
